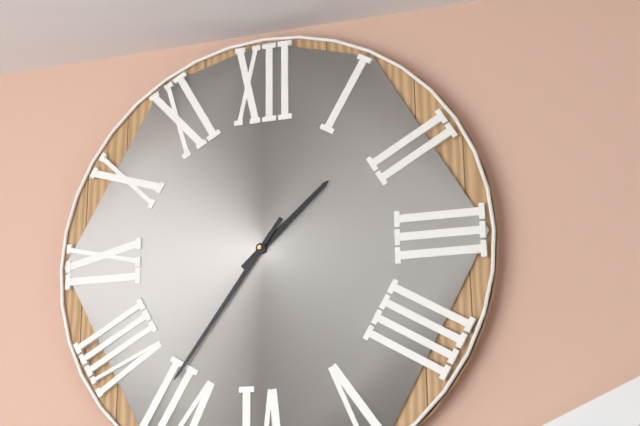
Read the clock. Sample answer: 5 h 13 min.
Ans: 1 h 36 min
